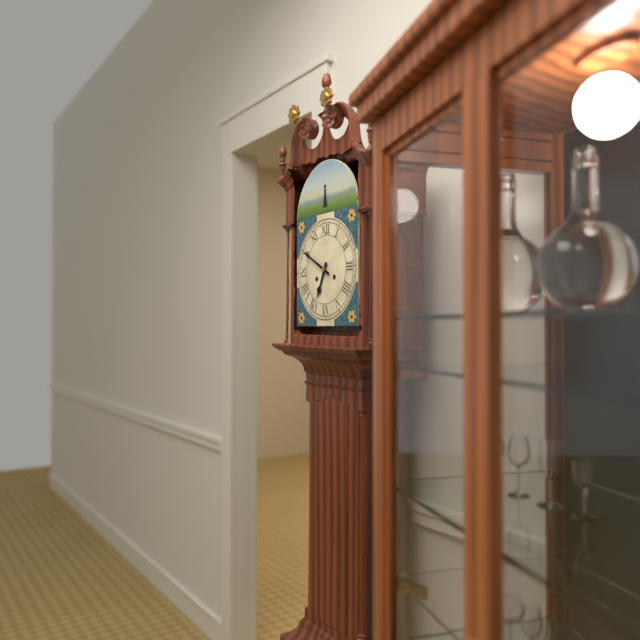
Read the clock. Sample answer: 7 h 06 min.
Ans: 6 h 50 min
